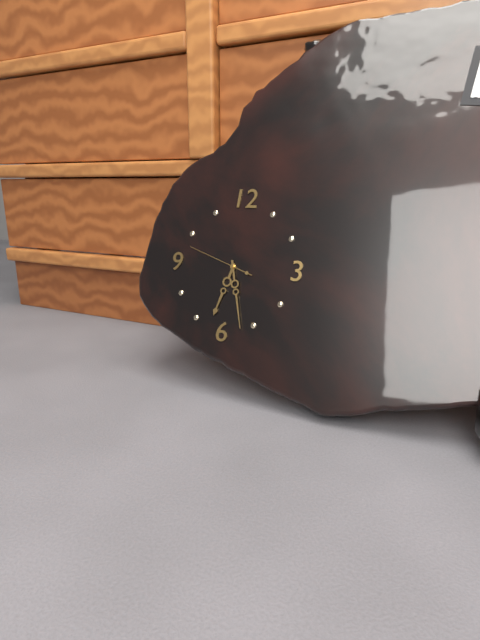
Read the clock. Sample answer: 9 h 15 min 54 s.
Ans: 6 h 27 min 48 s
